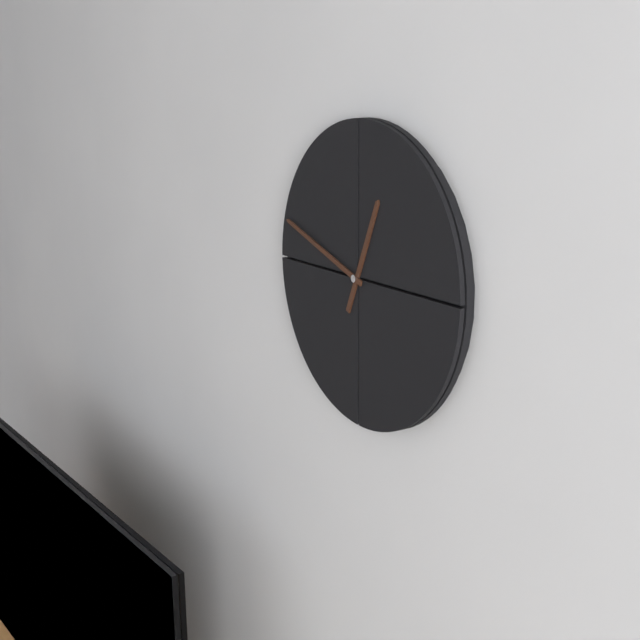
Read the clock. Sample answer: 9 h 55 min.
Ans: 12 h 48 min
